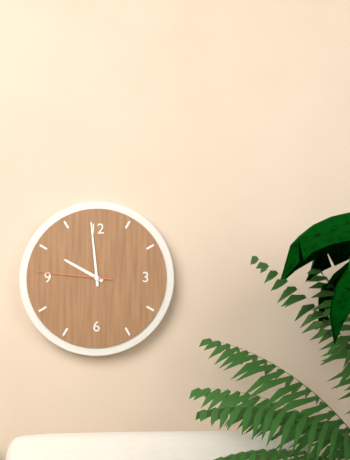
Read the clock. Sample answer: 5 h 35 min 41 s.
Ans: 9 h 59 min 46 s
